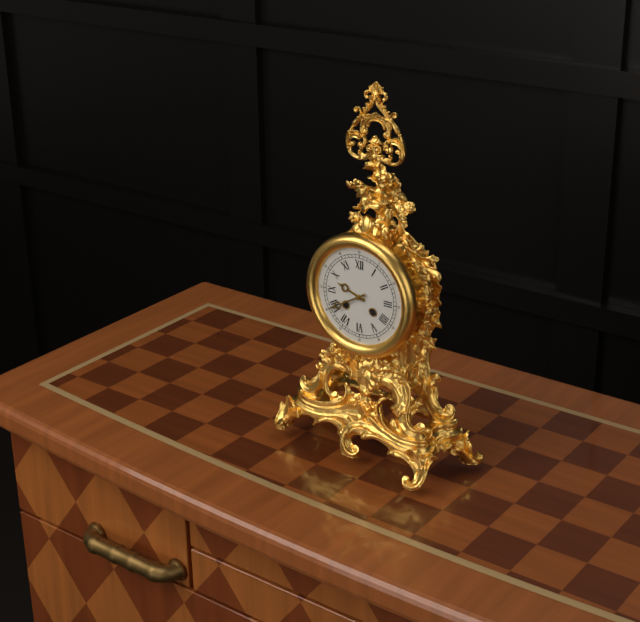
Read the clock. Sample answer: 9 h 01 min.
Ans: 9 h 40 min
